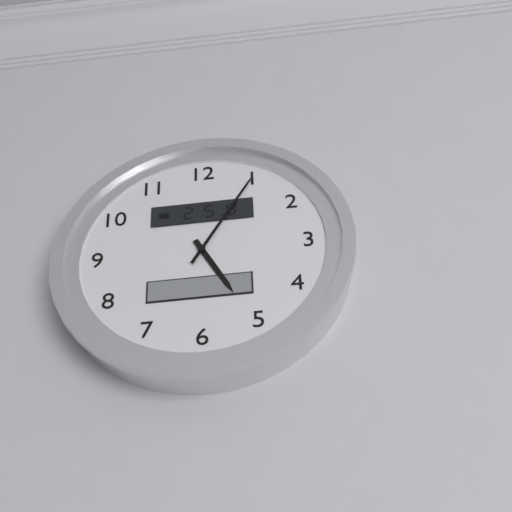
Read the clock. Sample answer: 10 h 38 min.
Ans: 5 h 05 min
